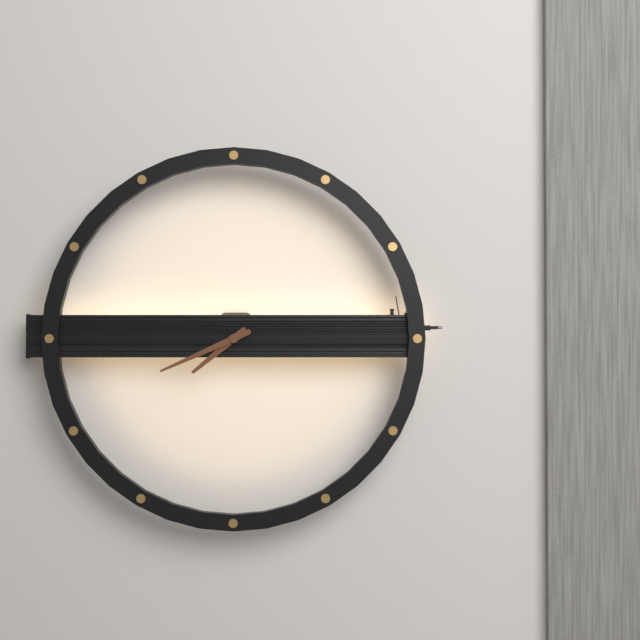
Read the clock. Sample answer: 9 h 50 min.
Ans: 7 h 41 min
